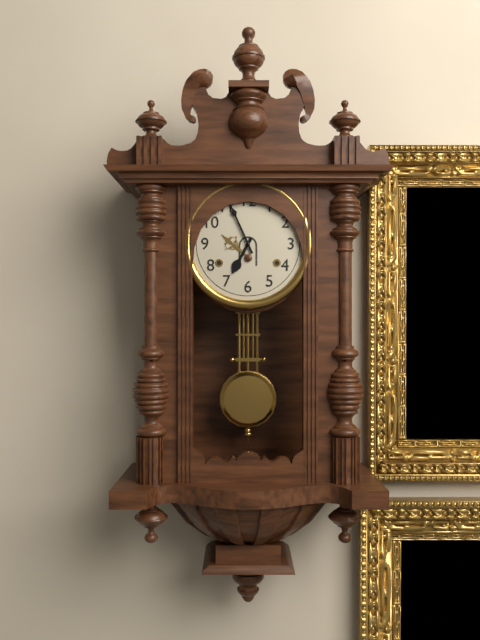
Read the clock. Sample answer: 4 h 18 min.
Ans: 6 h 56 min
